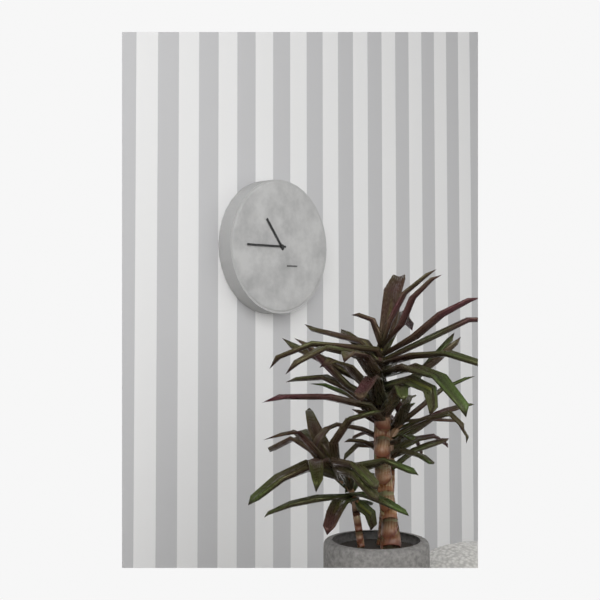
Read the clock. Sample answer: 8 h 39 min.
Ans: 10 h 45 min
